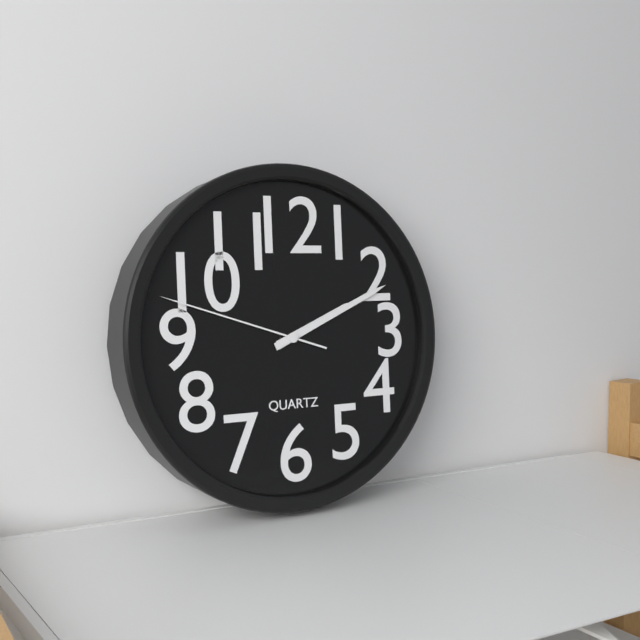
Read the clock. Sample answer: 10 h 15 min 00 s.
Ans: 2 h 11 min 48 s
